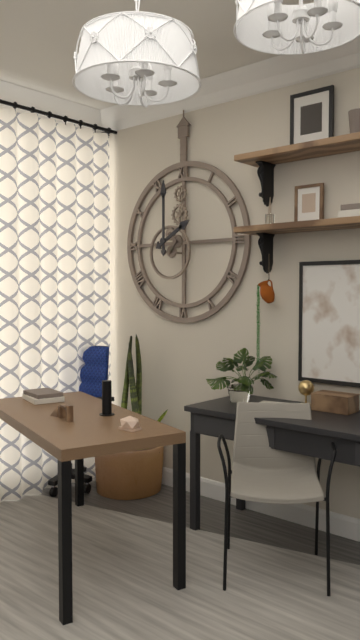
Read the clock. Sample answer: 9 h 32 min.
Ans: 2 h 00 min
